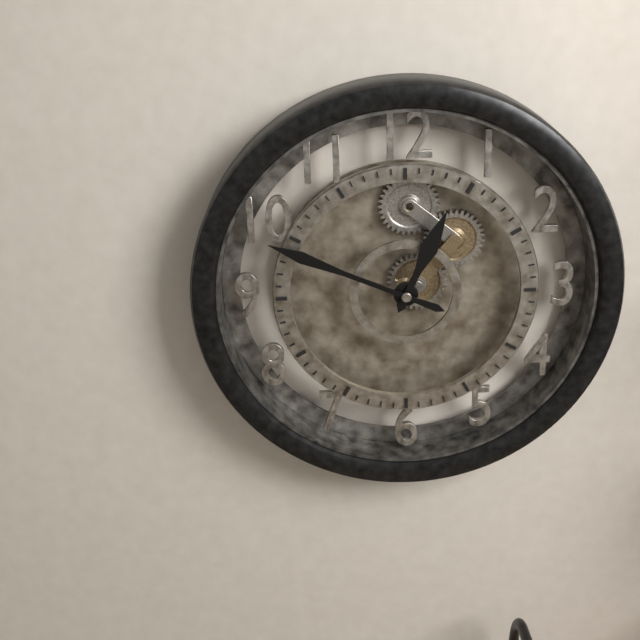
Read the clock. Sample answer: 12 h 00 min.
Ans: 12 h 49 min
